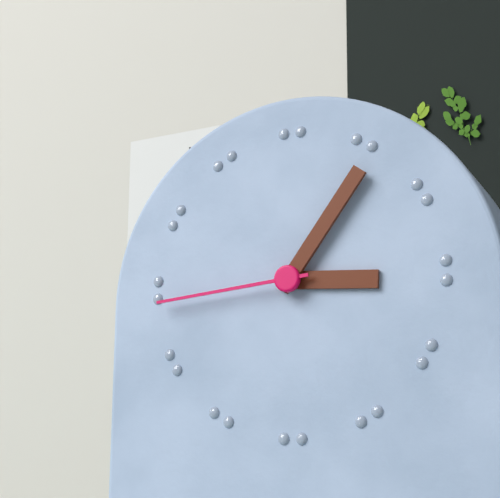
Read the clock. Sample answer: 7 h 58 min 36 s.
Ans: 3 h 06 min 44 s
